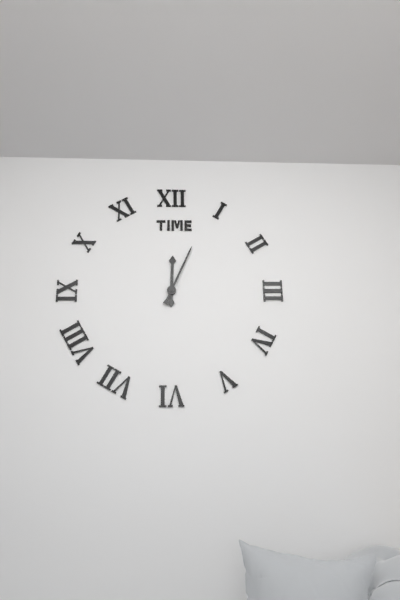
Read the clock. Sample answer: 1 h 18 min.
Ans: 12 h 04 min
